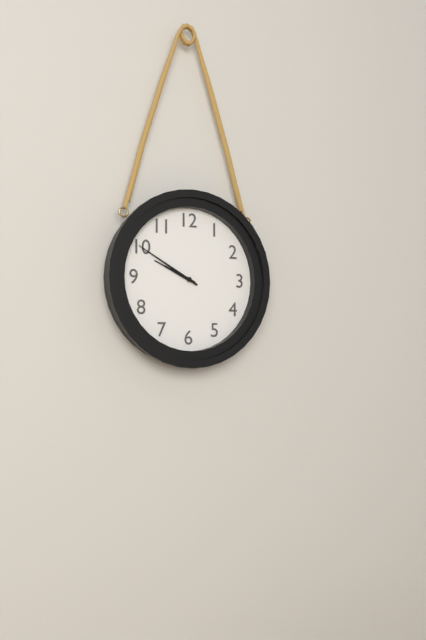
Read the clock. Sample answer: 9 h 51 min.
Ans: 9 h 50 min
